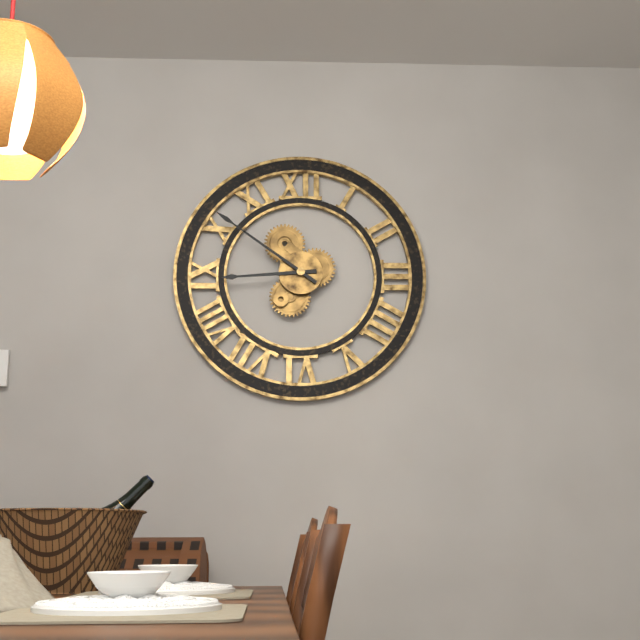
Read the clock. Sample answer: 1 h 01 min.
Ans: 8 h 51 min
